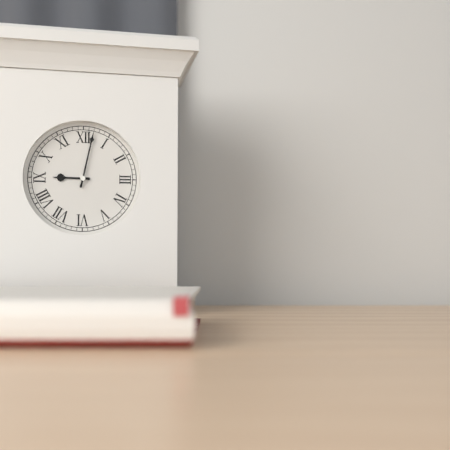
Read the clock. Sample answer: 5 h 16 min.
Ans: 9 h 02 min
